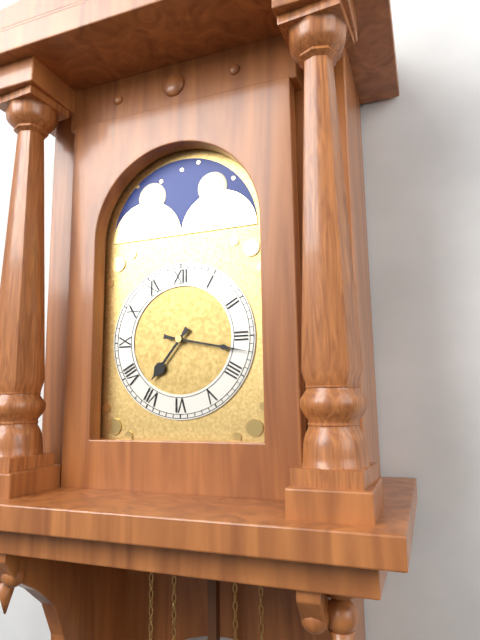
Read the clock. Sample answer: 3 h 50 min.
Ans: 7 h 17 min
